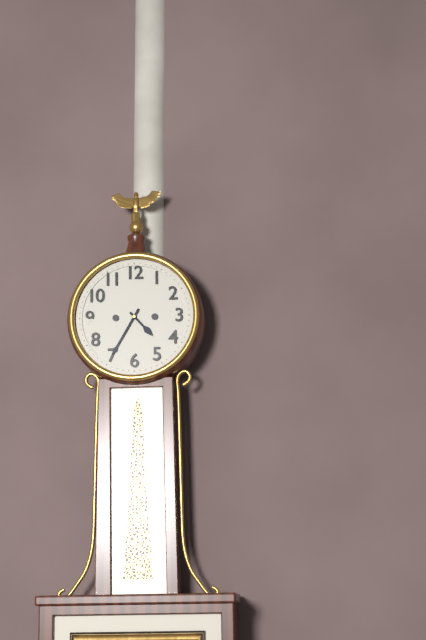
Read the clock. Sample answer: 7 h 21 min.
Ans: 4 h 35 min
